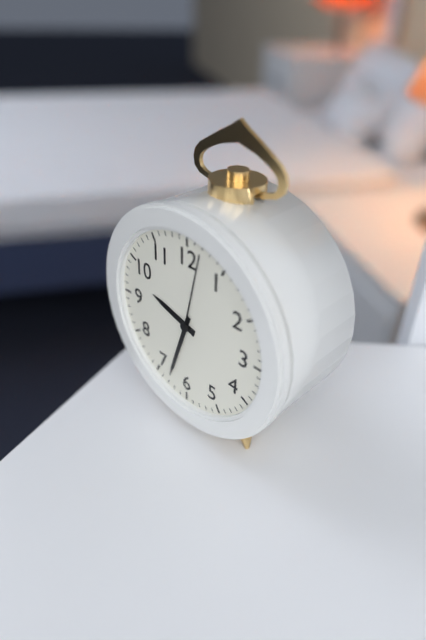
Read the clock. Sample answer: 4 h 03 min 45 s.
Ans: 9 h 33 min 02 s
